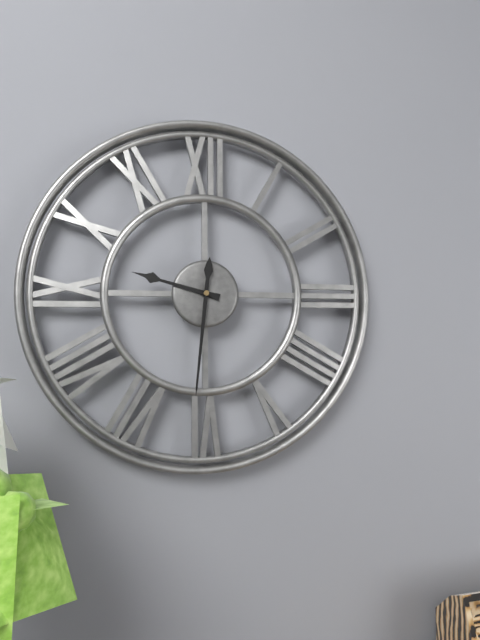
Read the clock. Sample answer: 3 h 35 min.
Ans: 9 h 31 min
